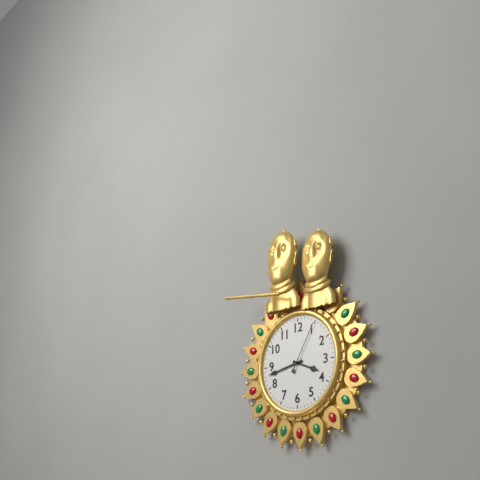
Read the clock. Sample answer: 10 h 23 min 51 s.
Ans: 3 h 43 min 05 s
